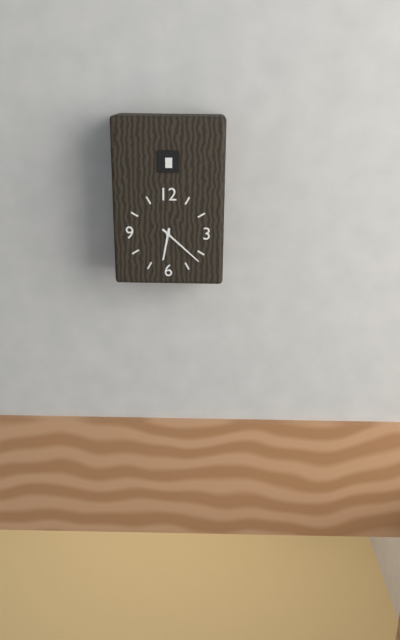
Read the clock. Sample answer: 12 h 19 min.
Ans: 6 h 22 min
